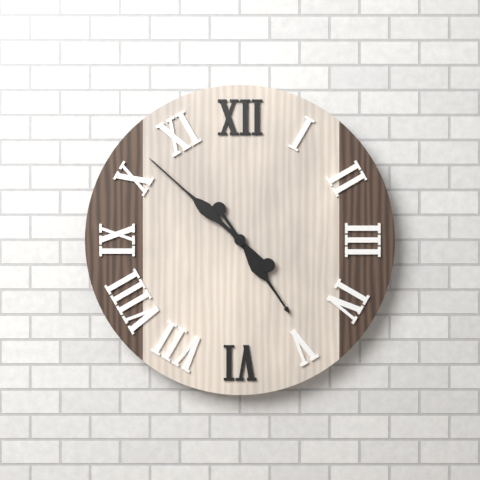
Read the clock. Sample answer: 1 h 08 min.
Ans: 4 h 52 min
